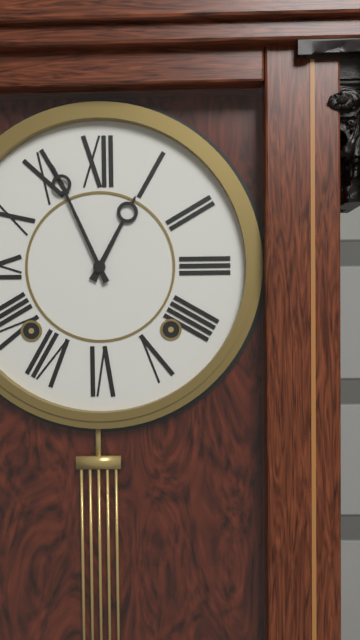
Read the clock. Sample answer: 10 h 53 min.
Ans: 12 h 56 min
